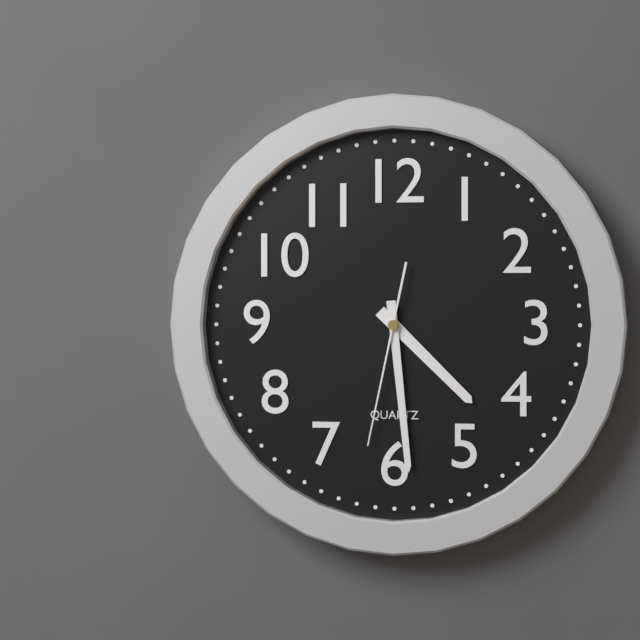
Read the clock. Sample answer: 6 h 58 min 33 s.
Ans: 4 h 29 min 32 s
